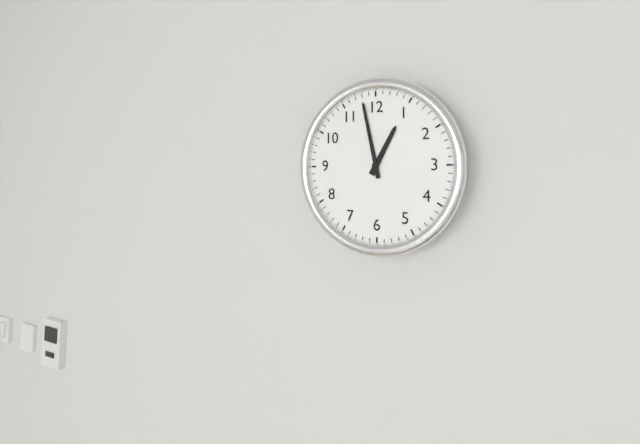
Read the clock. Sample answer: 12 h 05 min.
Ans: 12 h 58 min
